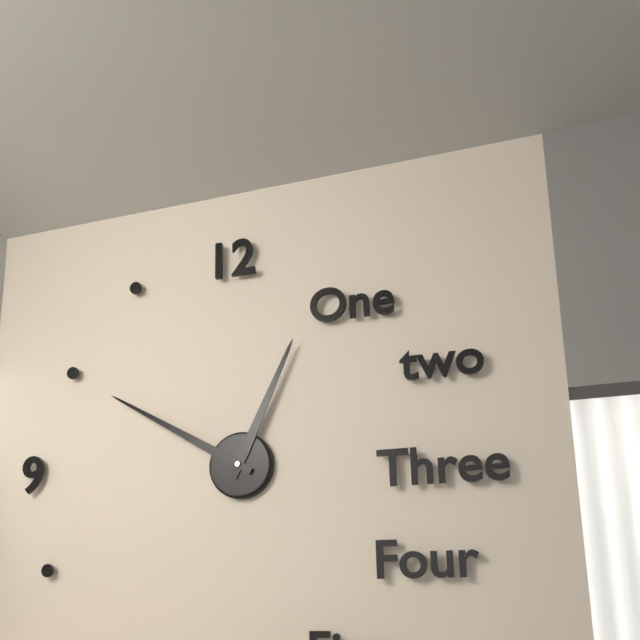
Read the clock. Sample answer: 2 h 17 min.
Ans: 12 h 50 min
